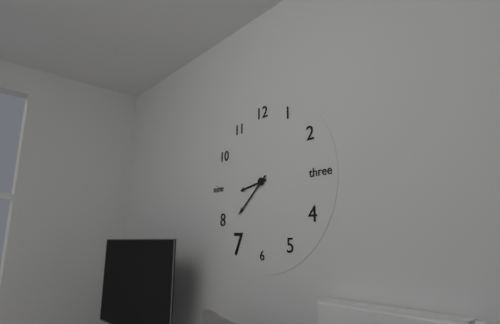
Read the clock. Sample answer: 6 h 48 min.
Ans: 8 h 38 min
